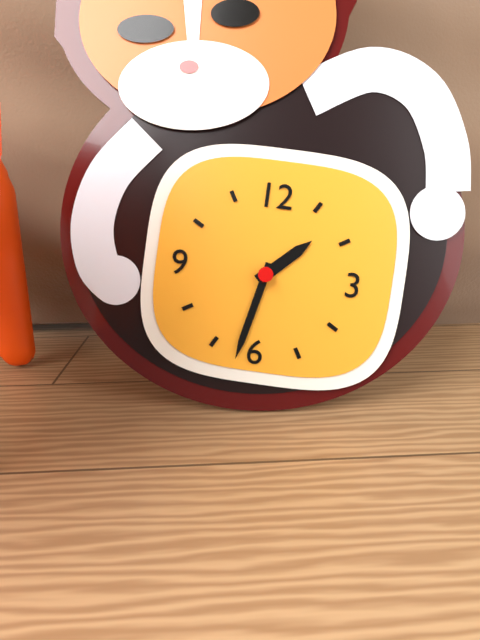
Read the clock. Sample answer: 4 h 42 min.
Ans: 1 h 32 min
